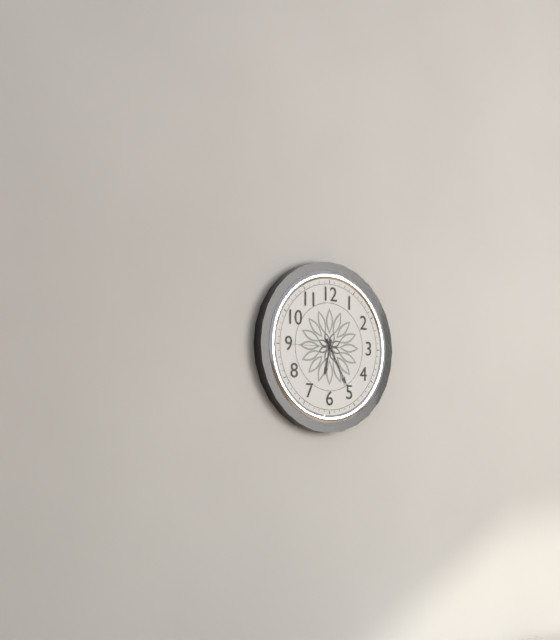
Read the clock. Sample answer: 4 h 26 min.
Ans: 6 h 25 min
